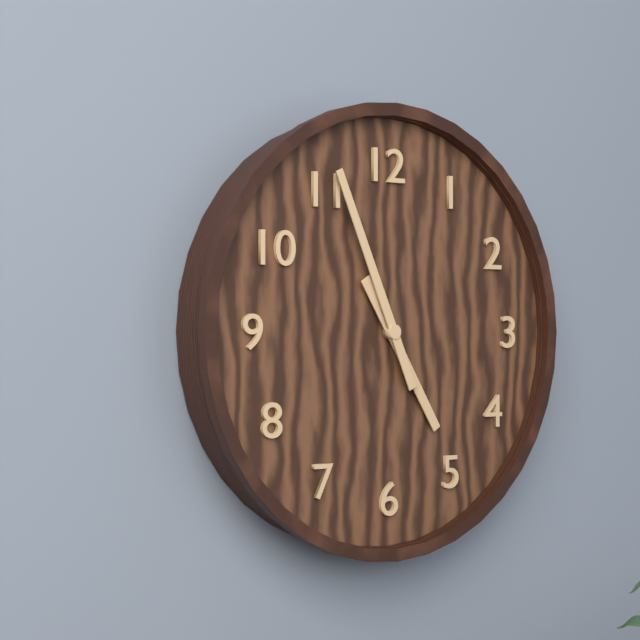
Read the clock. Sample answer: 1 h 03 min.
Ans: 4 h 56 min
